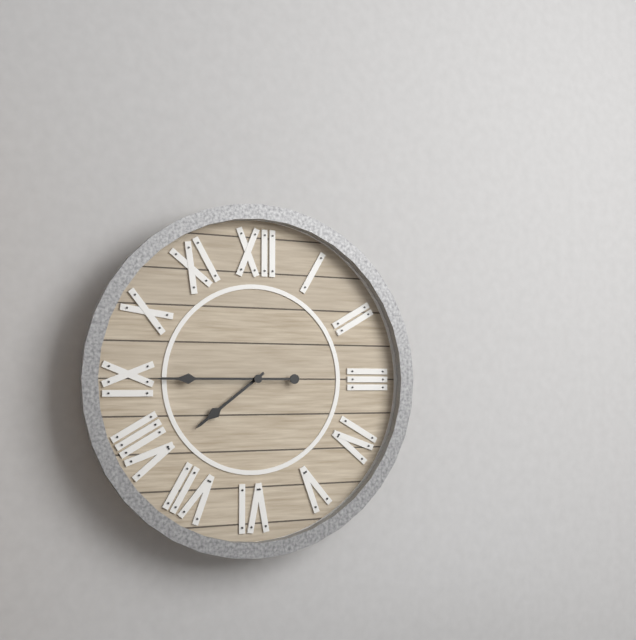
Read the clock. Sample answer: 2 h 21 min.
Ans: 7 h 45 min
